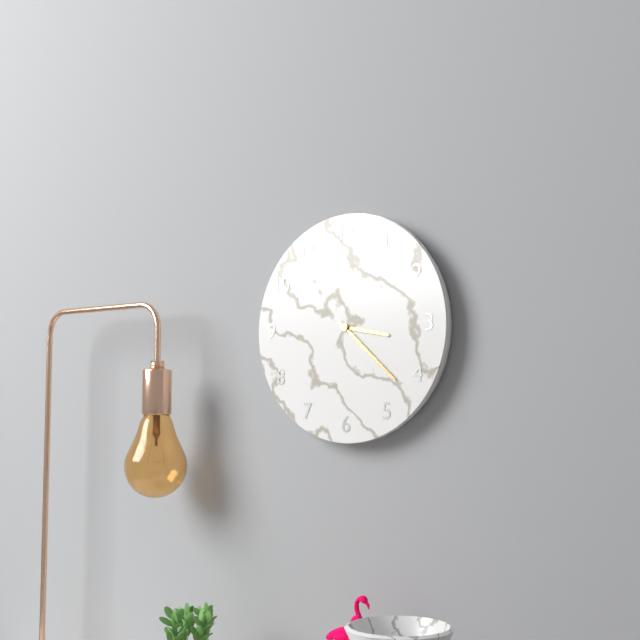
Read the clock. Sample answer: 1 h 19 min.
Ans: 3 h 22 min
